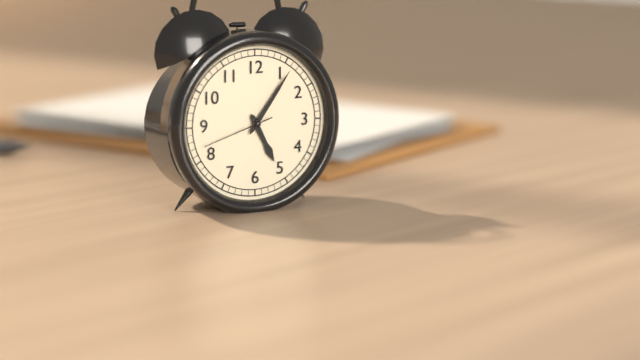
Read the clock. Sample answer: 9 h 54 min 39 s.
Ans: 5 h 06 min 42 s
